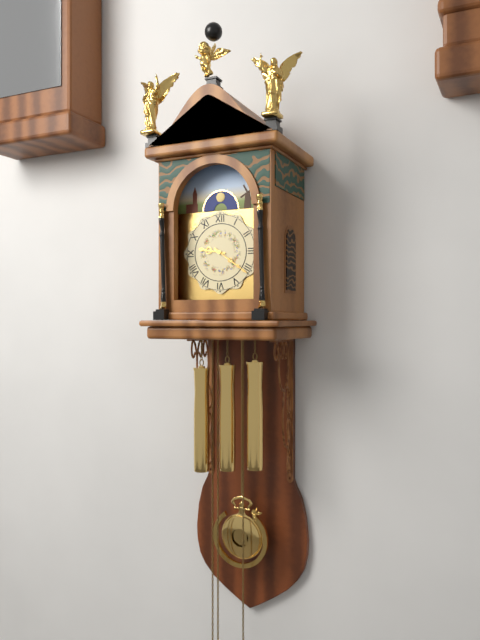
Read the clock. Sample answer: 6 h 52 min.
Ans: 9 h 21 min
